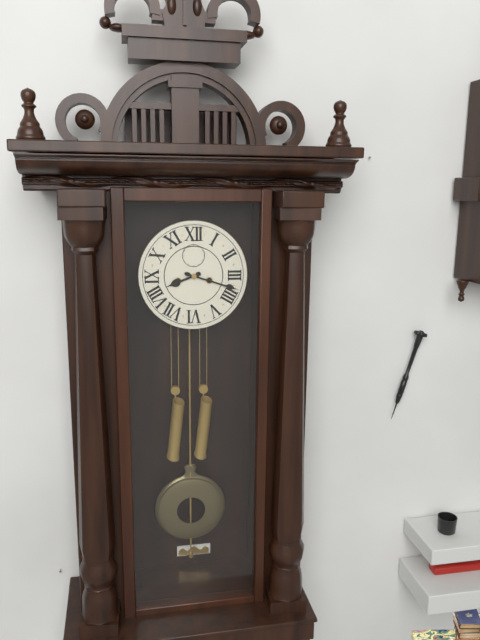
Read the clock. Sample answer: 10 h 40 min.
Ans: 8 h 18 min
